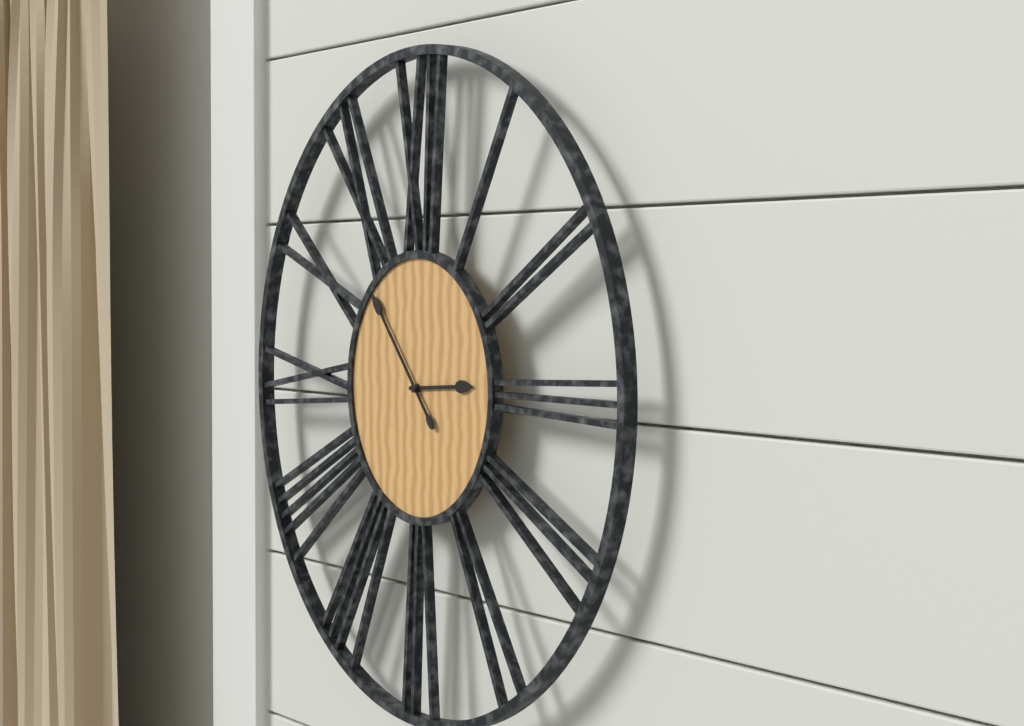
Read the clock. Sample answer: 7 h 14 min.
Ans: 2 h 53 min
